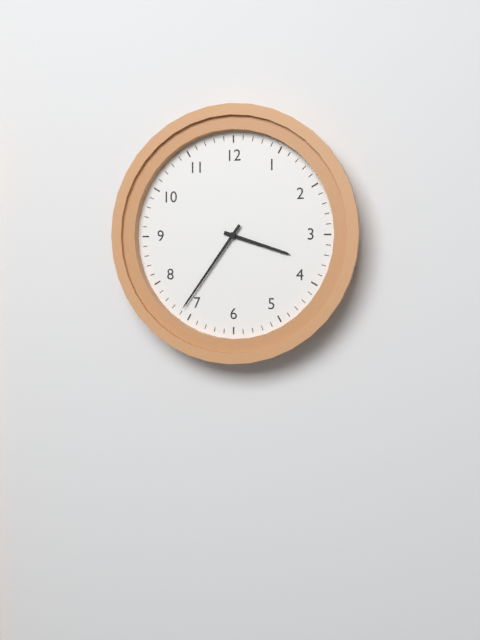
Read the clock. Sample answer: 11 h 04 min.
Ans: 3 h 36 min
